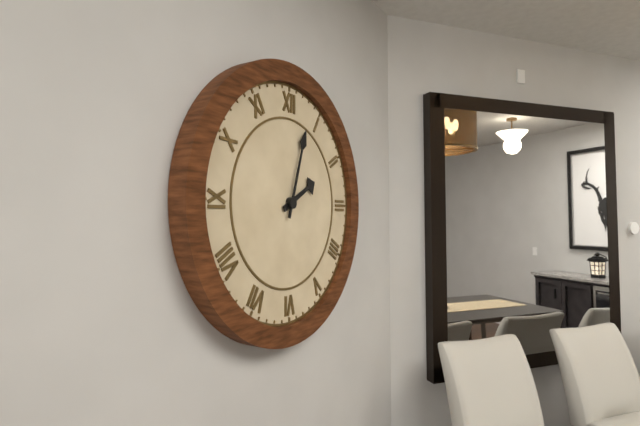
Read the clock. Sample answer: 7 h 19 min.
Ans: 2 h 03 min
